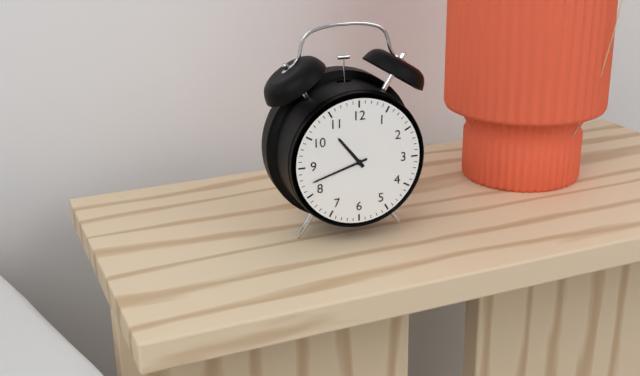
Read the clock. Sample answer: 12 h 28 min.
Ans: 10 h 42 min
